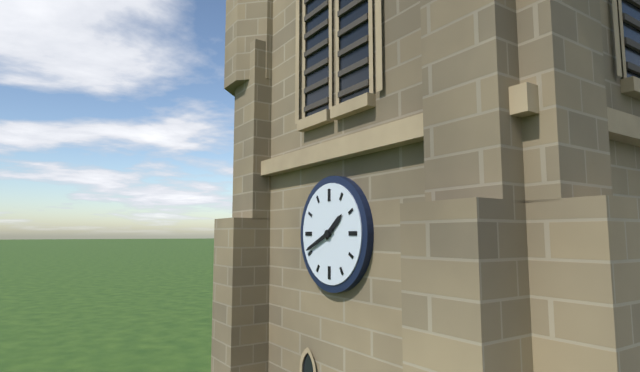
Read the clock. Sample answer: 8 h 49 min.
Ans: 1 h 41 min
